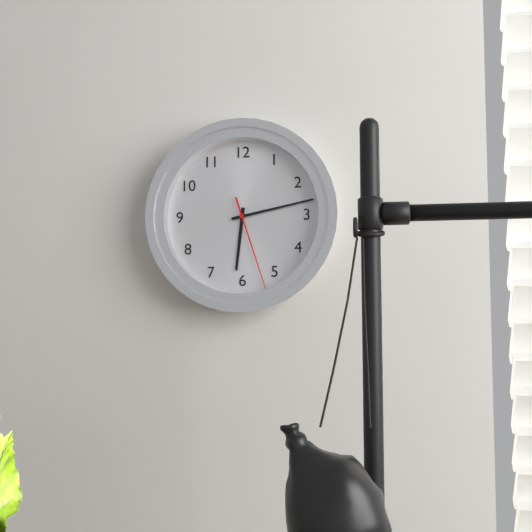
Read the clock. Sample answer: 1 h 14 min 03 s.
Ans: 6 h 13 min 27 s
